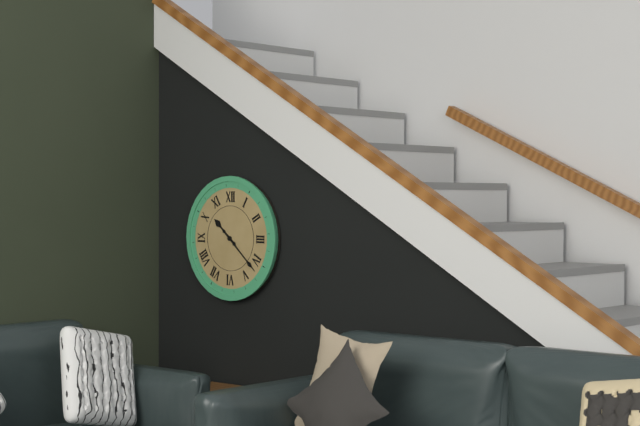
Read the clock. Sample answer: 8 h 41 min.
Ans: 10 h 22 min
